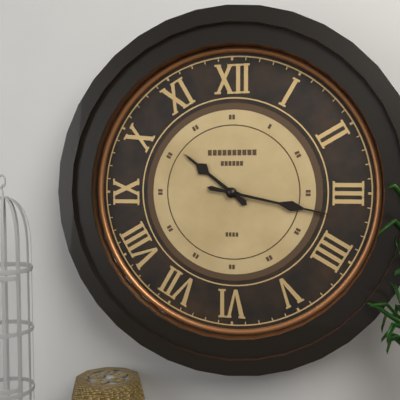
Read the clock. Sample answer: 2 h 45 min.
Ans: 10 h 17 min
